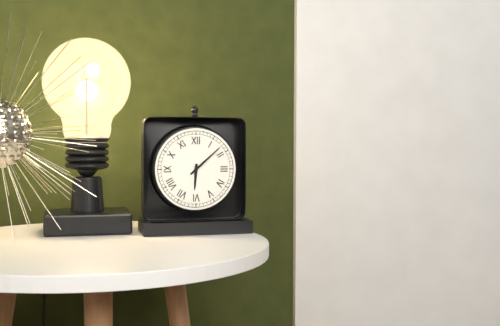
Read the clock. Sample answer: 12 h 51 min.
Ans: 6 h 08 min
